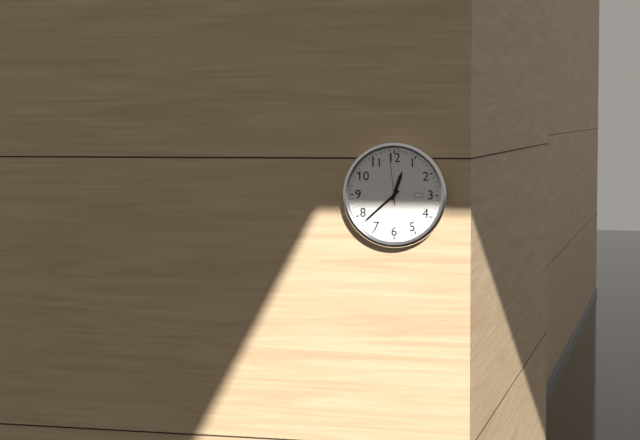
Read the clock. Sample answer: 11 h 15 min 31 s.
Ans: 12 h 38 min 59 s
